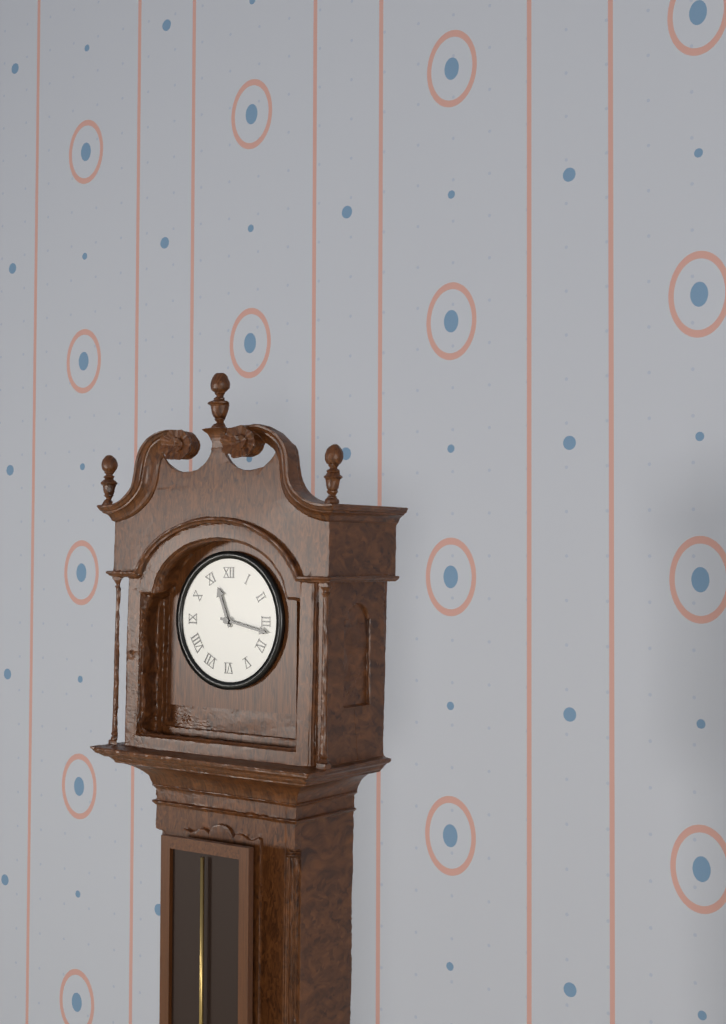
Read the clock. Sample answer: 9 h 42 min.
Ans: 11 h 17 min
